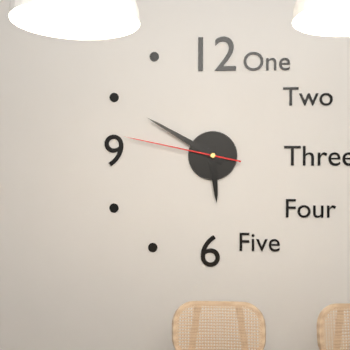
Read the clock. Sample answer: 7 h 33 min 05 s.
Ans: 5 h 50 min 47 s
